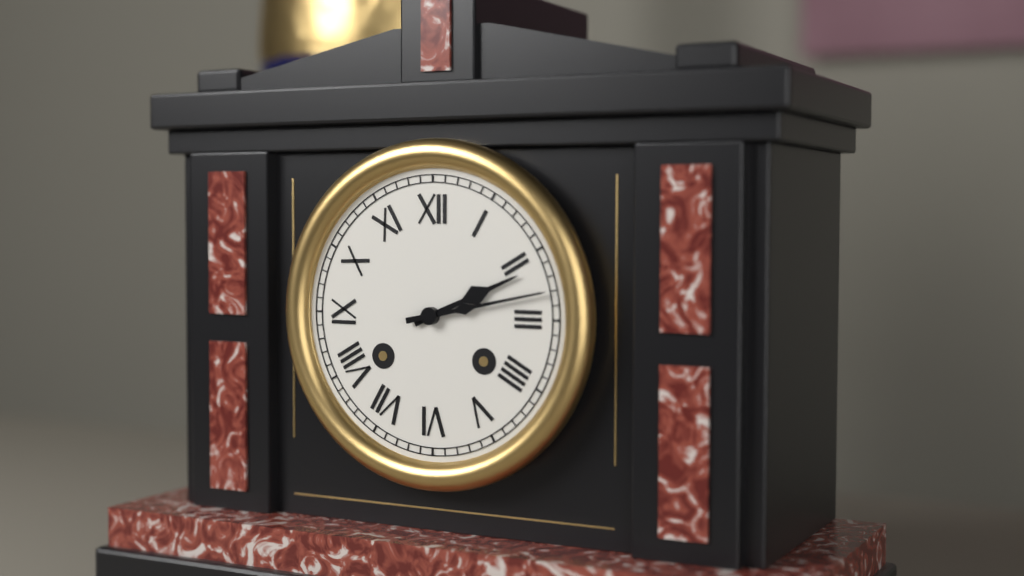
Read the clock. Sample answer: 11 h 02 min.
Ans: 2 h 13 min
